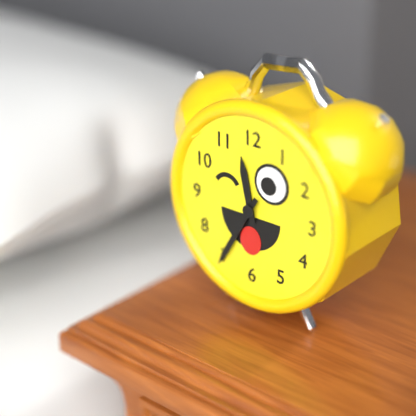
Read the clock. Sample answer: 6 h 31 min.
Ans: 11 h 35 min
